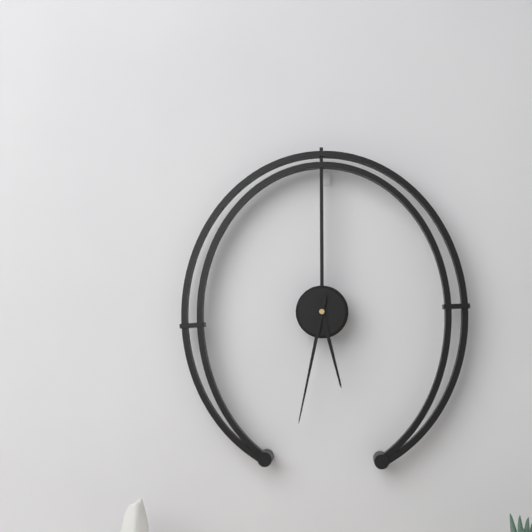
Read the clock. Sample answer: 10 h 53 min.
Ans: 5 h 32 min
